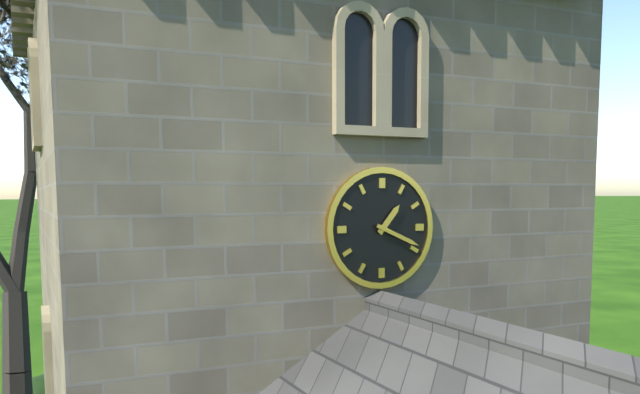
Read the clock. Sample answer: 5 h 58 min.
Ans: 1 h 19 min
